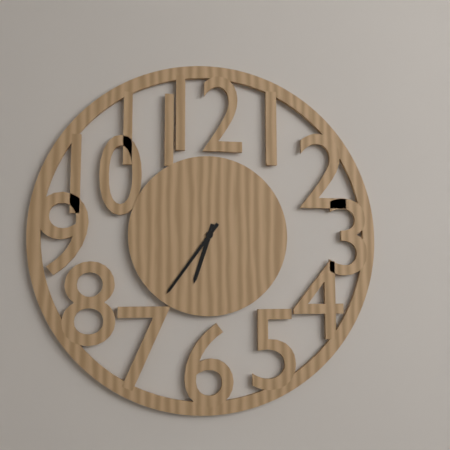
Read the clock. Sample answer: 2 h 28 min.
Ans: 6 h 36 min
